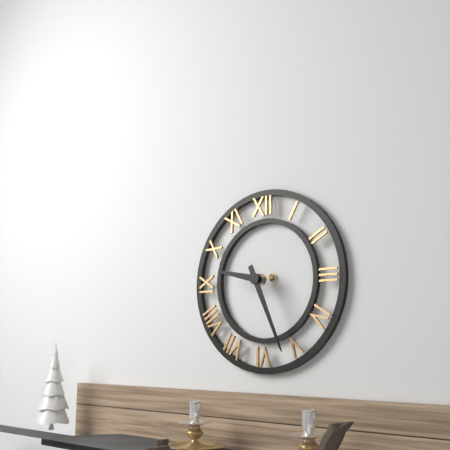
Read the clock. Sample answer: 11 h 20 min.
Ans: 9 h 26 min
